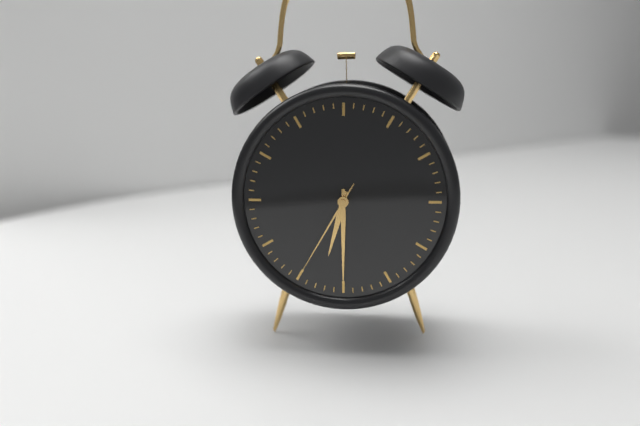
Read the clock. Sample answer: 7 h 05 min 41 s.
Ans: 6 h 30 min 35 s
